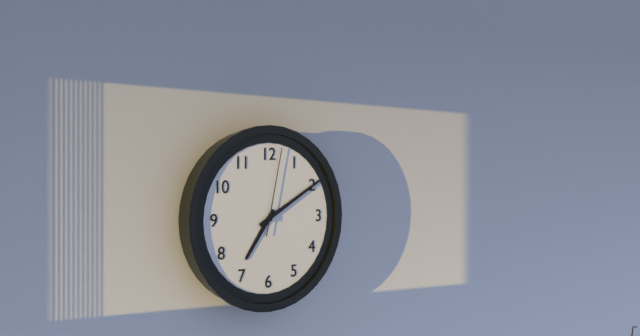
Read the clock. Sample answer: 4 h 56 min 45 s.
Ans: 7 h 10 min 02 s
